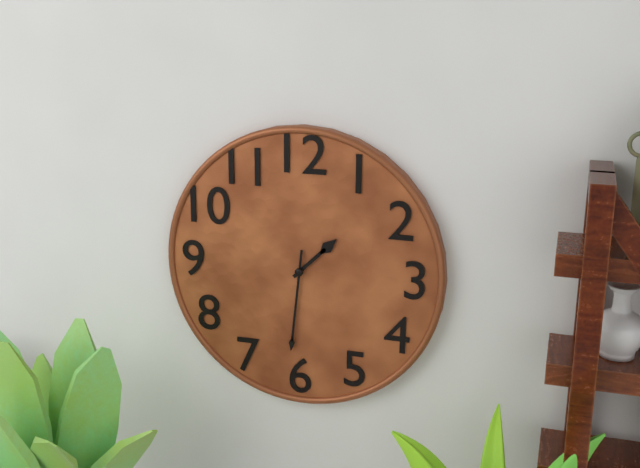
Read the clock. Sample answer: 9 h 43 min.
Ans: 1 h 31 min
